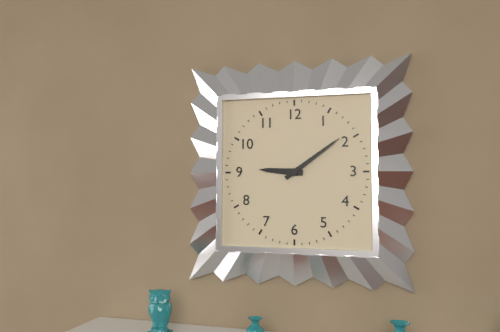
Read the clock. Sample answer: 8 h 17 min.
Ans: 9 h 09 min
